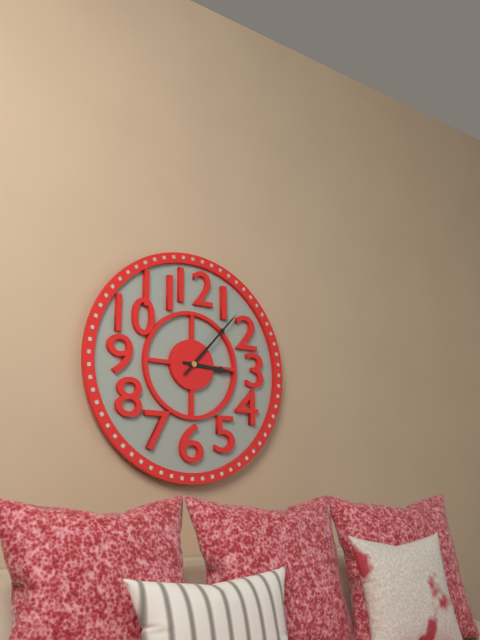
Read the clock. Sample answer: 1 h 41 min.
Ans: 3 h 07 min
